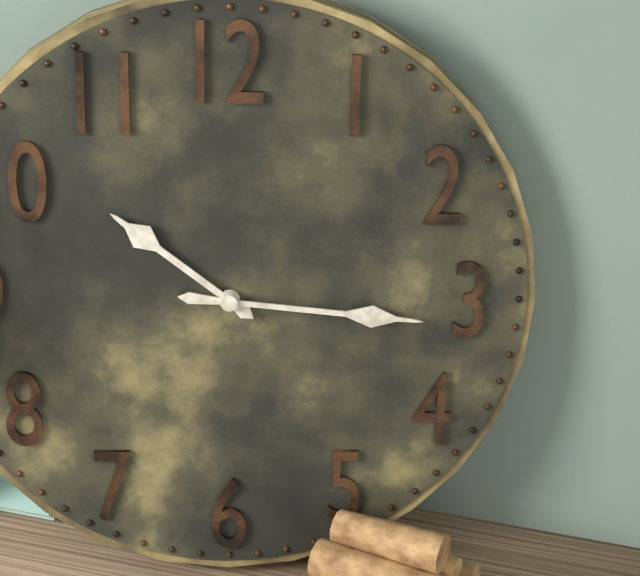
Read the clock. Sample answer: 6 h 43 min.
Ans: 10 h 16 min
